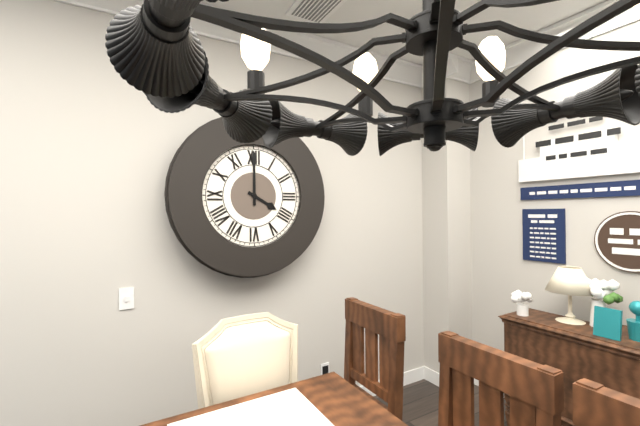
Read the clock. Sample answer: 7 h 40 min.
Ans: 4 h 00 min
